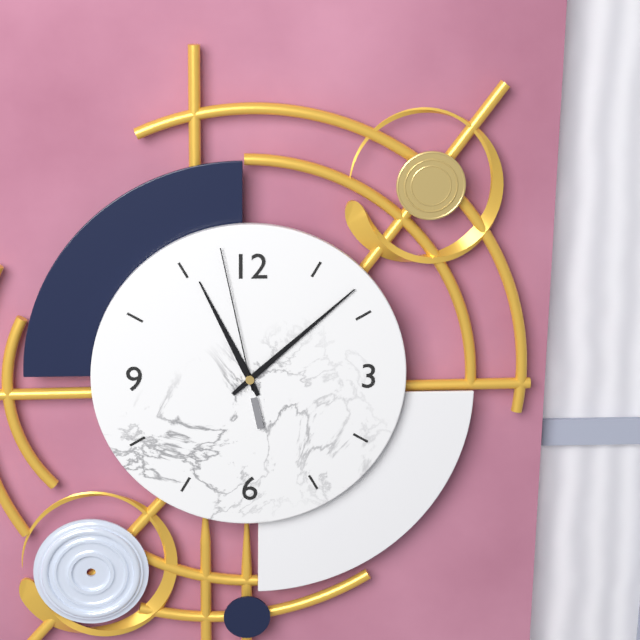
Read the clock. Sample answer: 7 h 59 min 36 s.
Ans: 11 h 08 min 58 s
